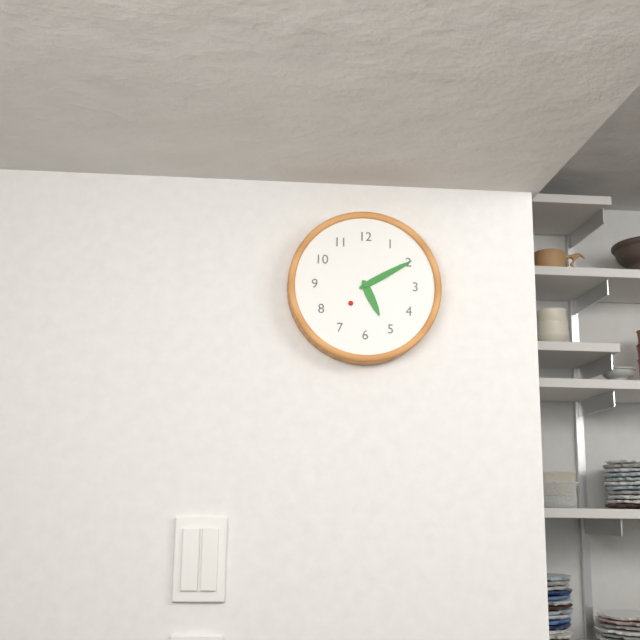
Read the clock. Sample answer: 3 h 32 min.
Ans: 5 h 10 min
